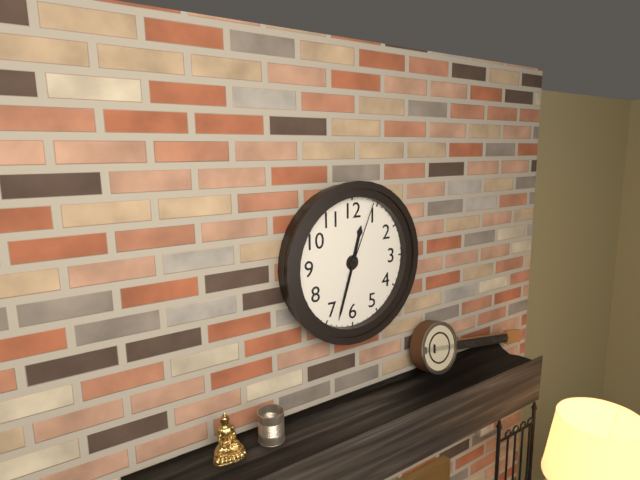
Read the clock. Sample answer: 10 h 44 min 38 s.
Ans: 12 h 33 min 04 s
